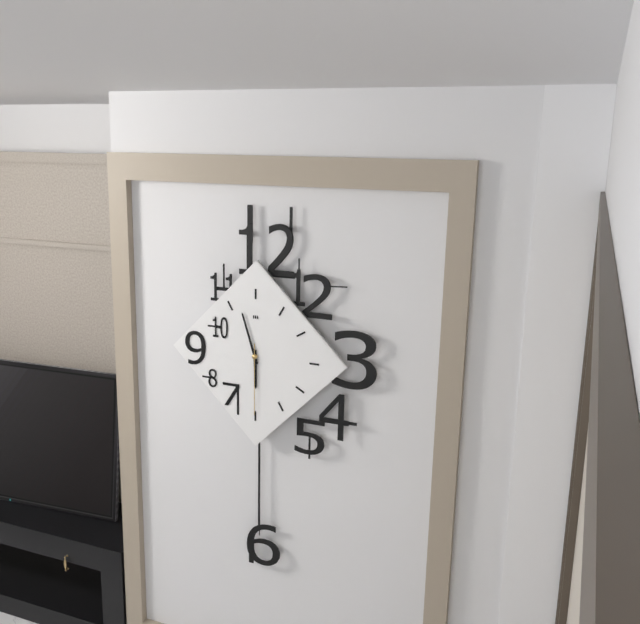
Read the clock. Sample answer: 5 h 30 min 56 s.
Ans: 5 h 57 min 30 s
